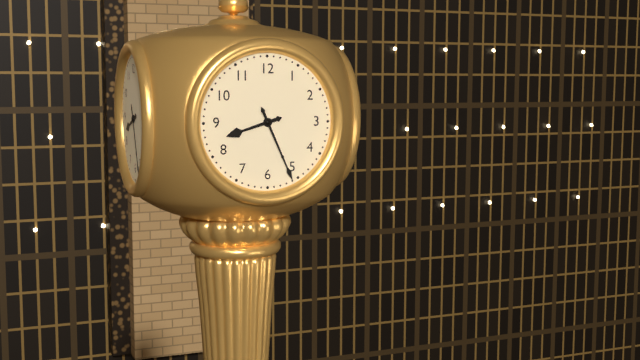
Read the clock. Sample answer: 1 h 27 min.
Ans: 8 h 26 min
